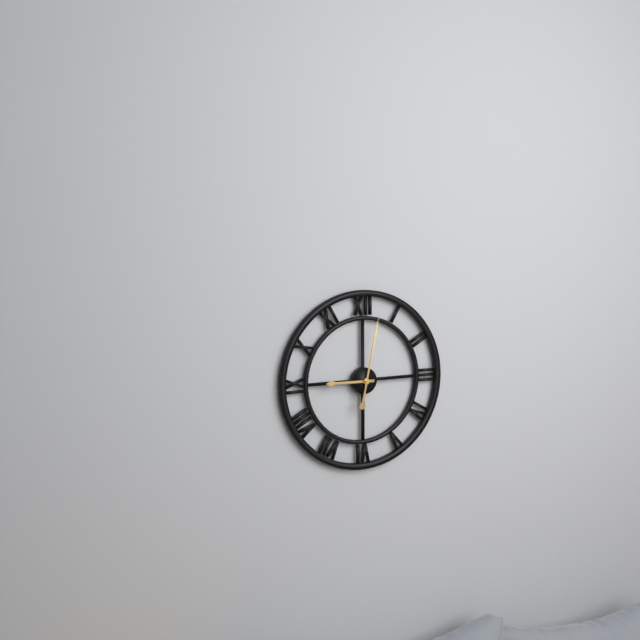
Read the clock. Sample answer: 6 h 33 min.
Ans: 9 h 02 min
